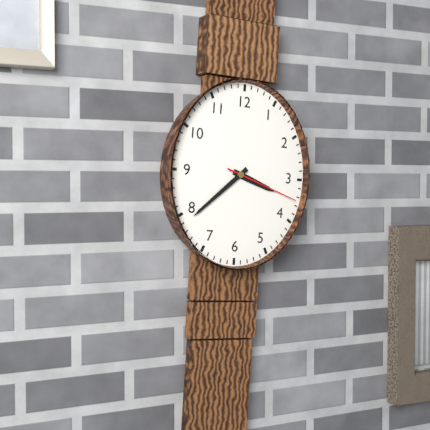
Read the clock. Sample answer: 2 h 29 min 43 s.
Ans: 3 h 38 min 18 s
